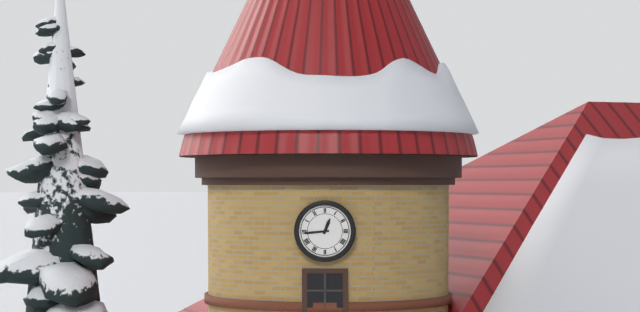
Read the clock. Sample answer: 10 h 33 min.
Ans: 12 h 44 min
